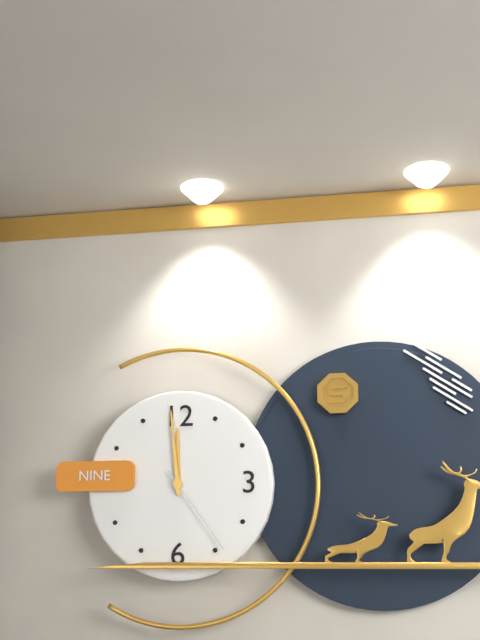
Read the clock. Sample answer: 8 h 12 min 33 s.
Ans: 11 h 59 min 24 s
